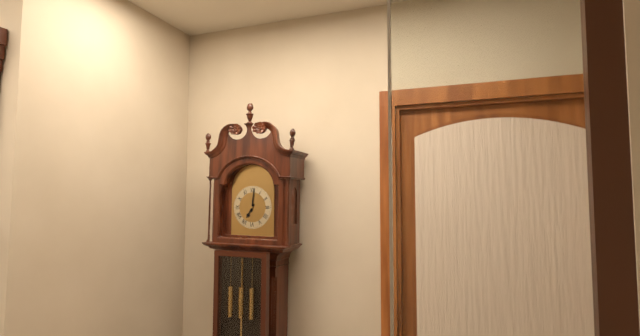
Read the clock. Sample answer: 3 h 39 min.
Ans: 7 h 01 min
